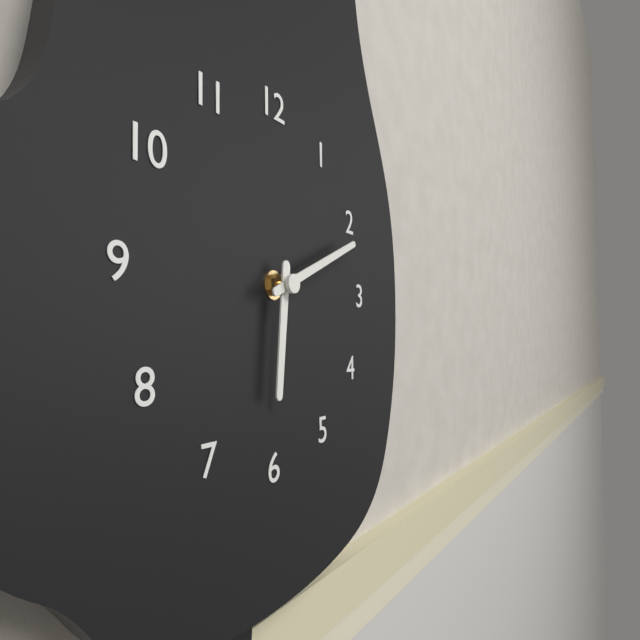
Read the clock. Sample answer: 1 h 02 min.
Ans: 6 h 11 min
